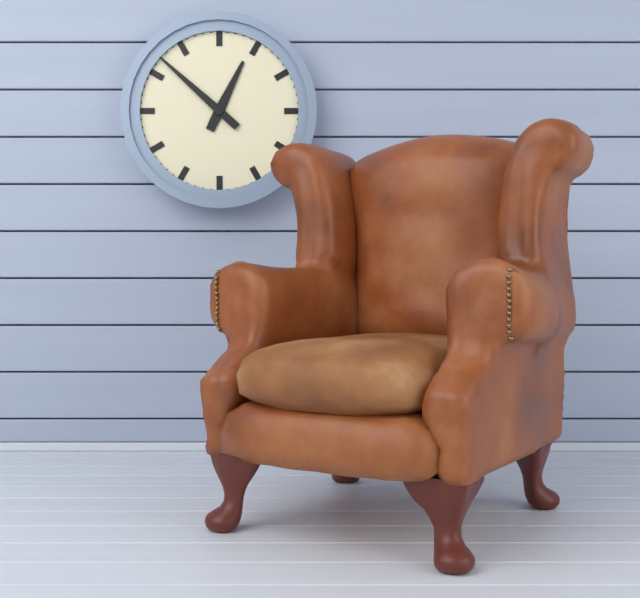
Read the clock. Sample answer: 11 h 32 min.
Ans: 12 h 52 min
